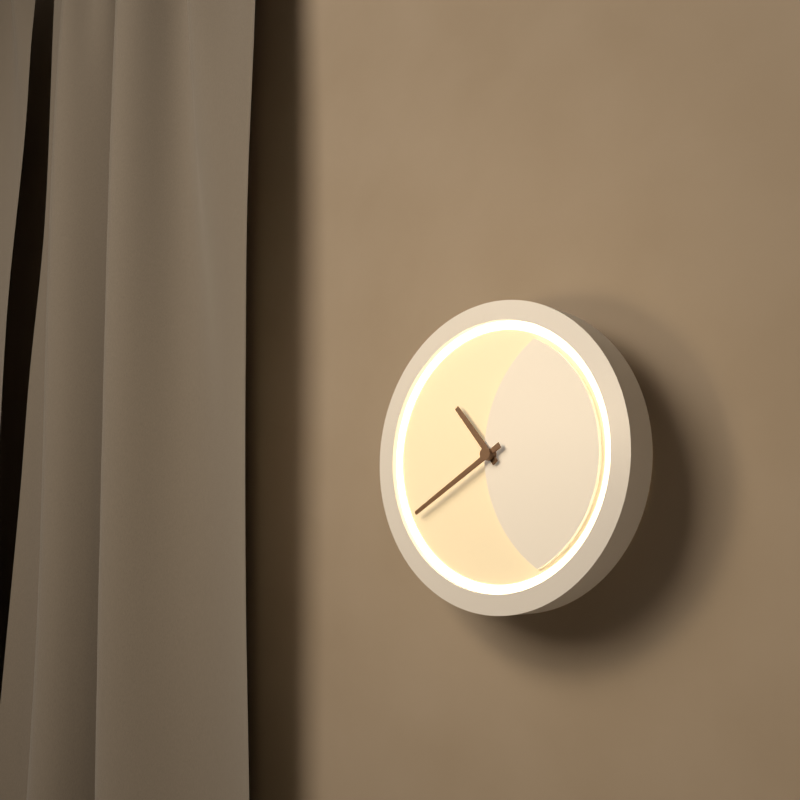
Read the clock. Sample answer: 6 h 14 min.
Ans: 10 h 40 min
